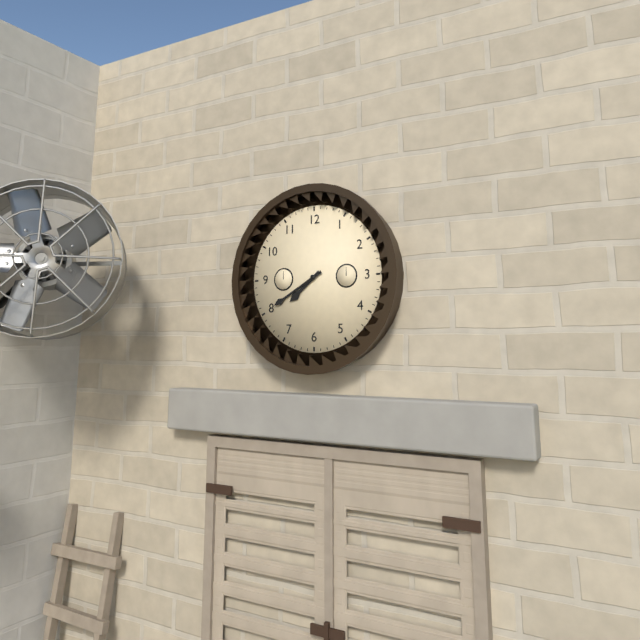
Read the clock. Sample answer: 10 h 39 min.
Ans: 7 h 40 min
